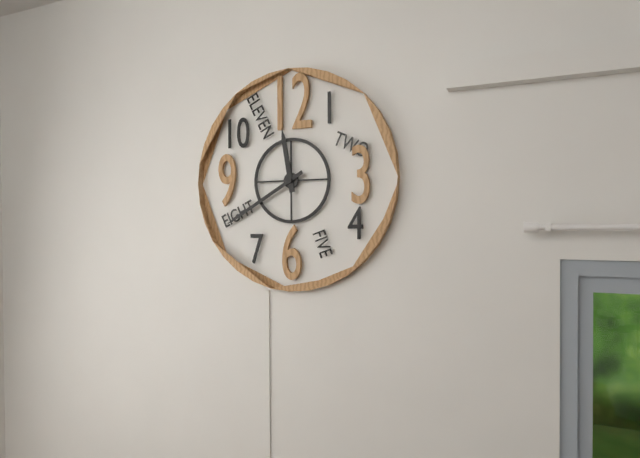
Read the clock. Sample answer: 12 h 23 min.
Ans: 11 h 40 min
